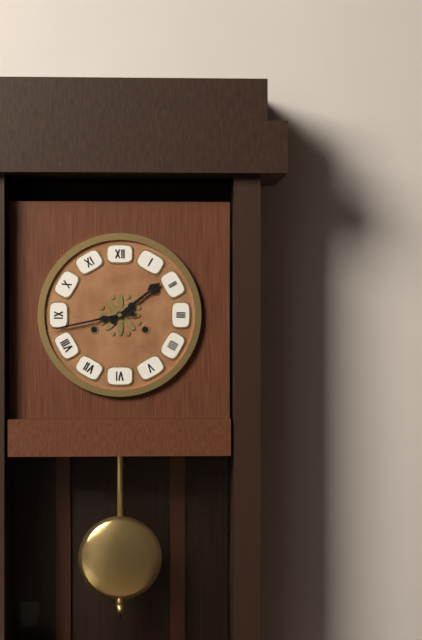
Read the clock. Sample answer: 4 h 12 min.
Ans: 1 h 43 min
